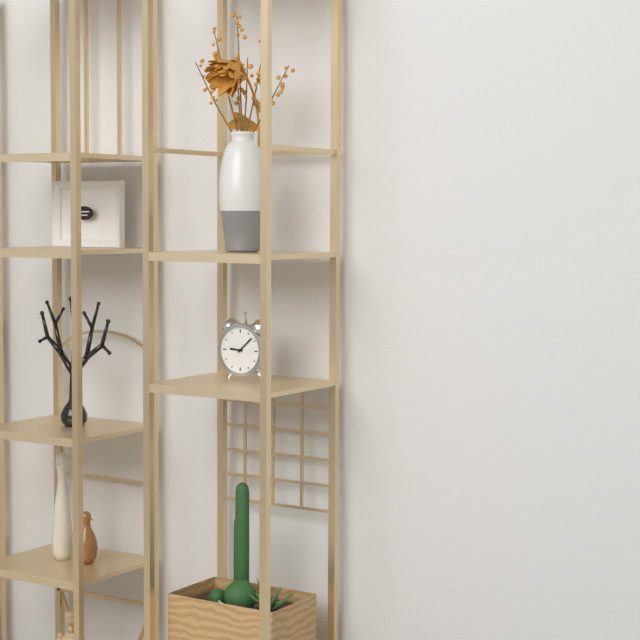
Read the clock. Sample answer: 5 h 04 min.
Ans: 9 h 08 min
